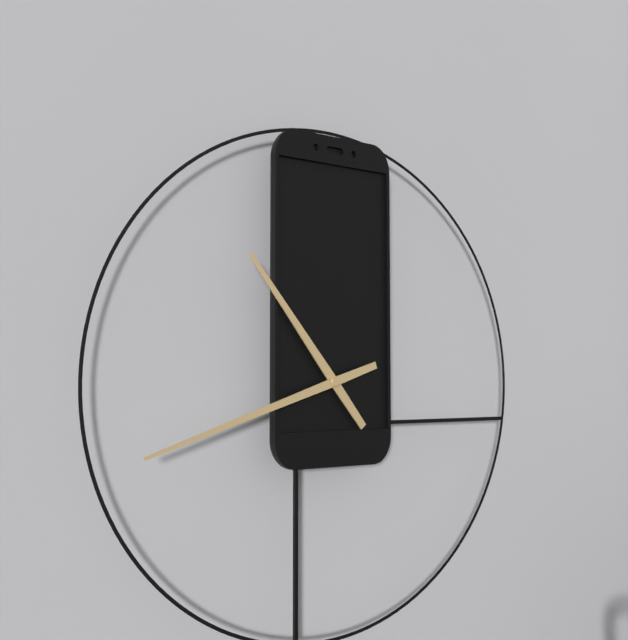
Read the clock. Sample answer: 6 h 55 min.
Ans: 10 h 42 min
